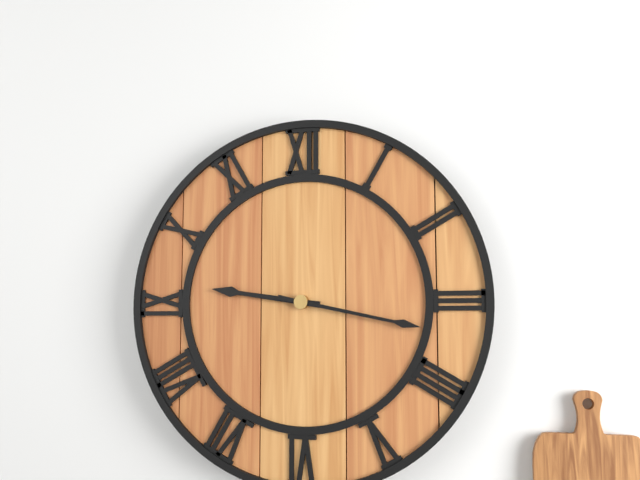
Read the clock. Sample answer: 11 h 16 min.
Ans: 9 h 17 min
